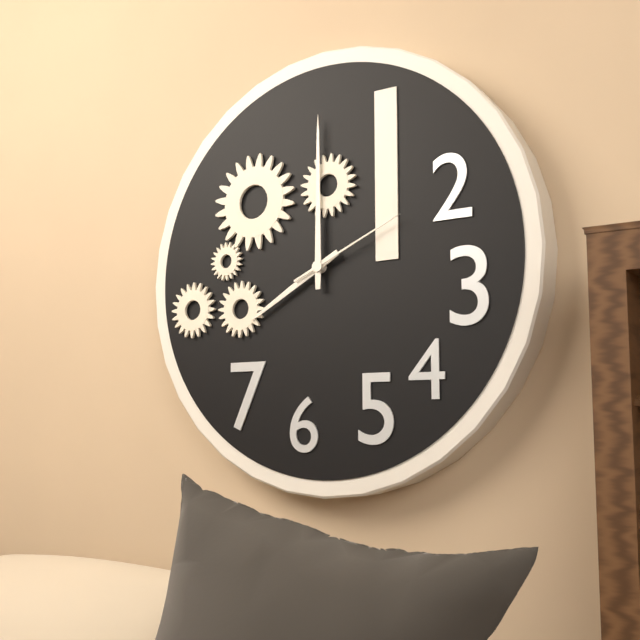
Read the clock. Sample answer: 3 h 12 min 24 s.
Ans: 8 h 00 min 11 s
